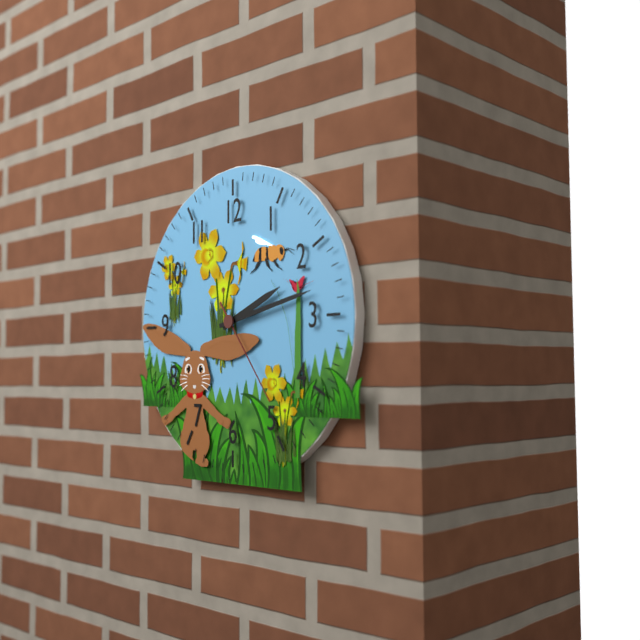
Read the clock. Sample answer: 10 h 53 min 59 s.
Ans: 2 h 13 min 24 s
